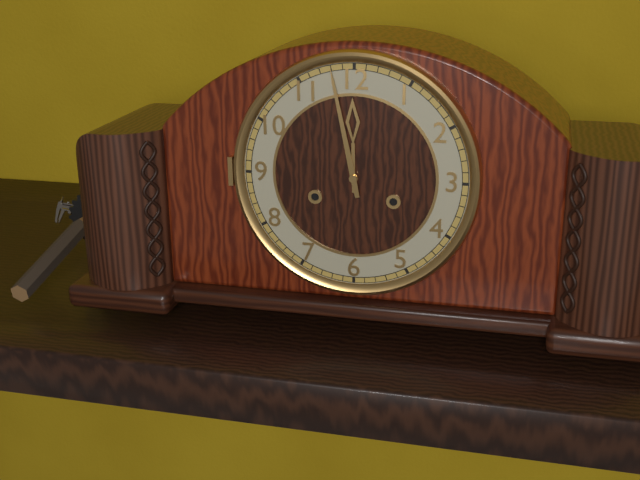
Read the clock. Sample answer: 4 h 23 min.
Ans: 11 h 58 min
